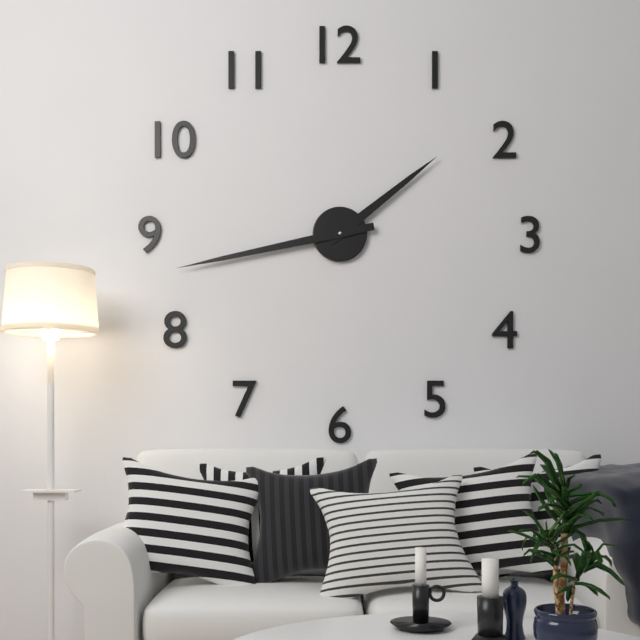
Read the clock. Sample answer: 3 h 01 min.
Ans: 1 h 43 min
